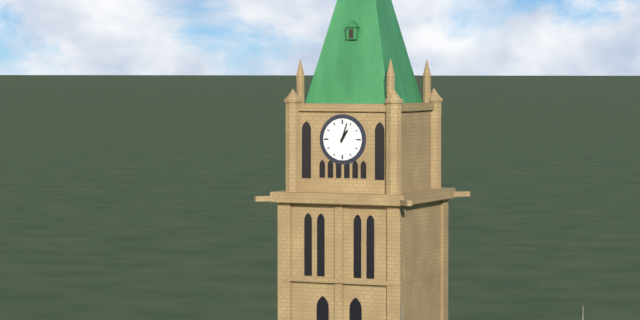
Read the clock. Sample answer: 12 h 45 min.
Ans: 1 h 03 min
